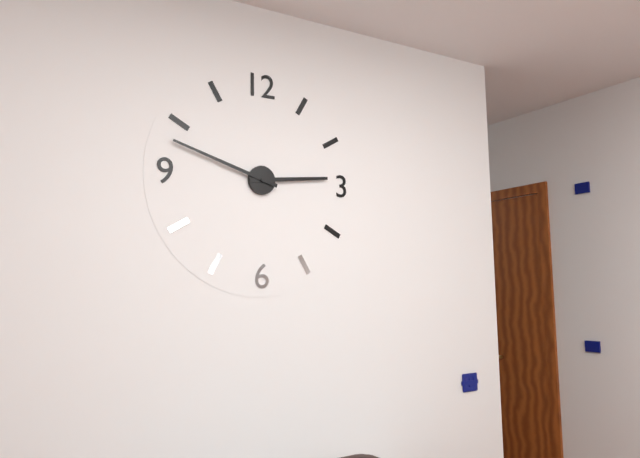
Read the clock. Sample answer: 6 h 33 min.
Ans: 2 h 48 min
